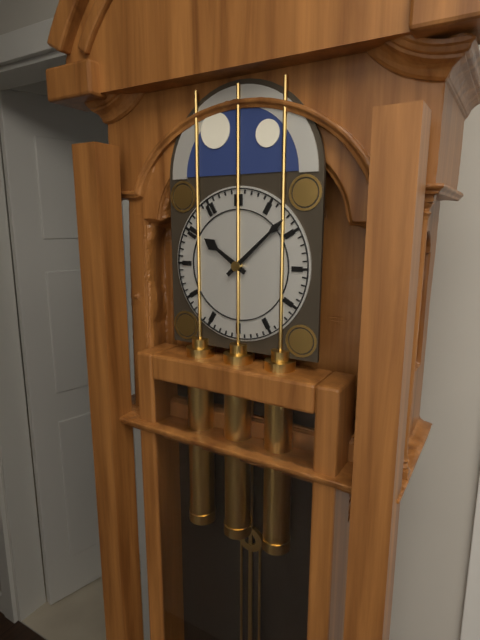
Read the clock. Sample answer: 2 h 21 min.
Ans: 10 h 08 min
